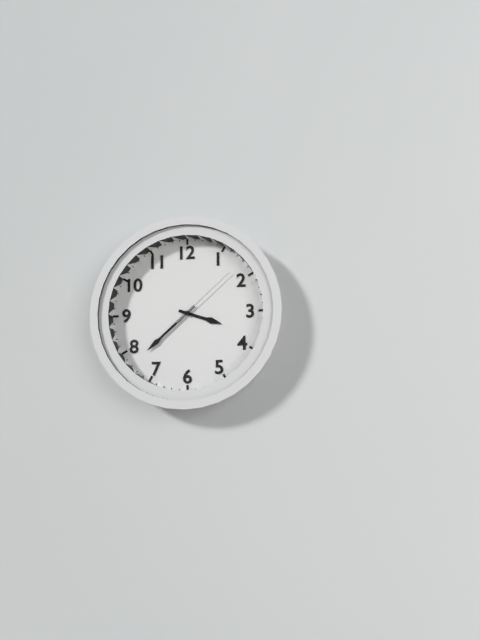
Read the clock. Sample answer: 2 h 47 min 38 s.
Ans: 3 h 38 min 08 s
